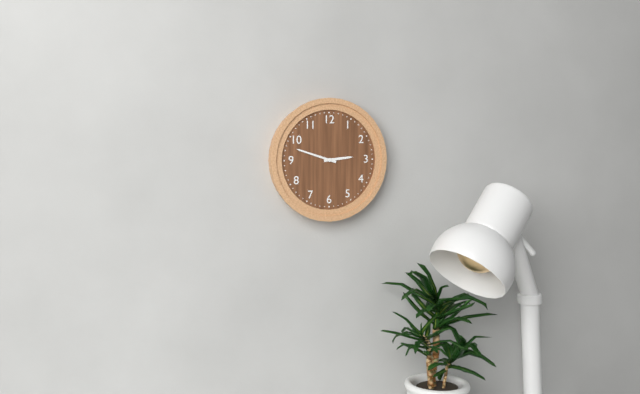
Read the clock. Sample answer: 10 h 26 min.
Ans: 2 h 48 min
